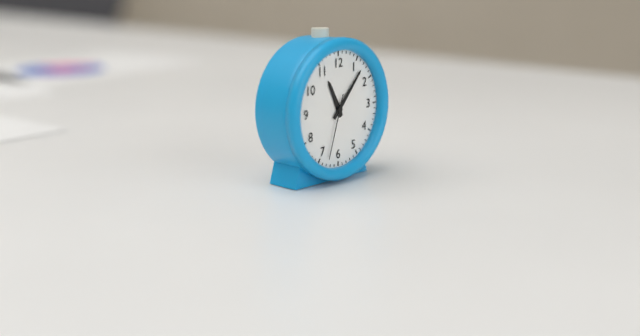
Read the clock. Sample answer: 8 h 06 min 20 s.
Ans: 11 h 07 min 33 s
